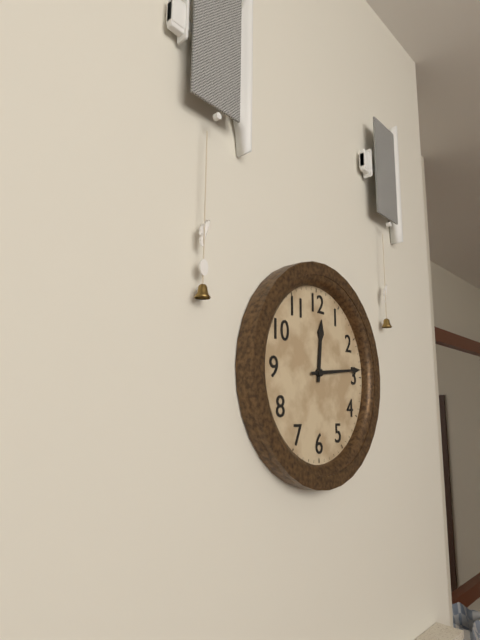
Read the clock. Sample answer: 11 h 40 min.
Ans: 12 h 14 min
